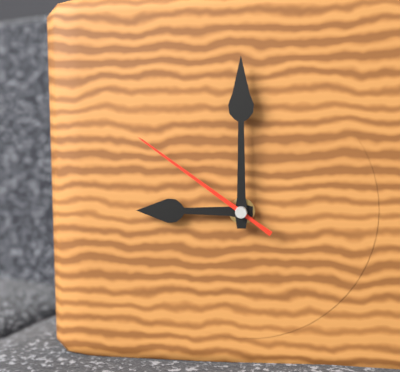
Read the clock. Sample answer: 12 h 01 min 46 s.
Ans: 9 h 00 min 51 s
